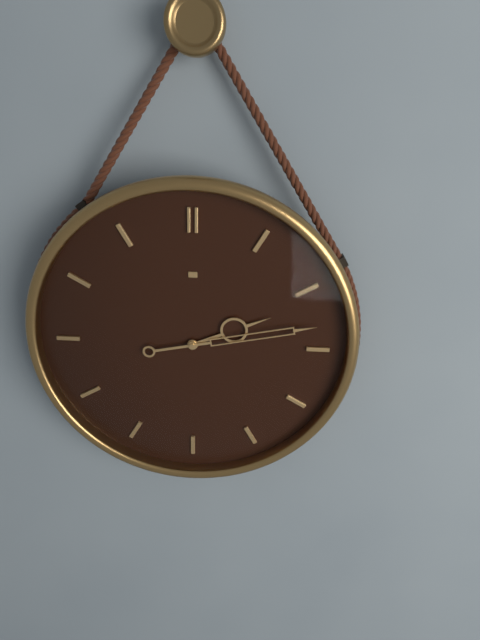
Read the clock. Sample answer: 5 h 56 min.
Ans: 2 h 13 min
